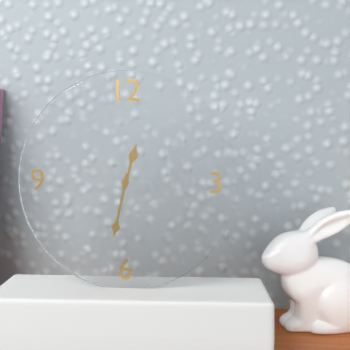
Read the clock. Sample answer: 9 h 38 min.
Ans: 12 h 32 min
